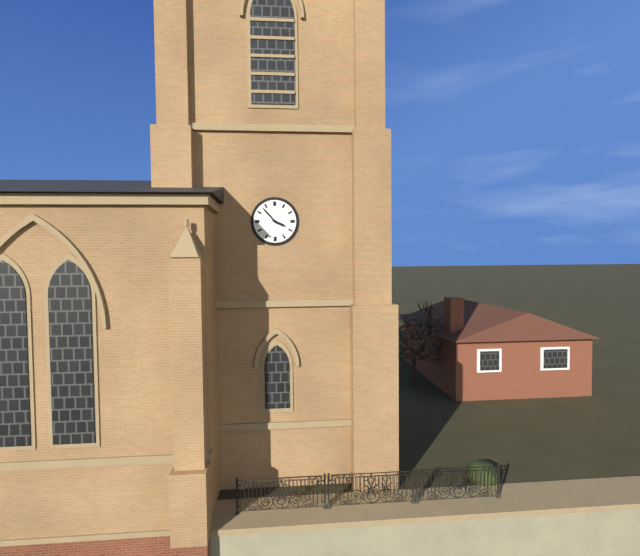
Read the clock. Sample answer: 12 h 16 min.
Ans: 3 h 53 min
